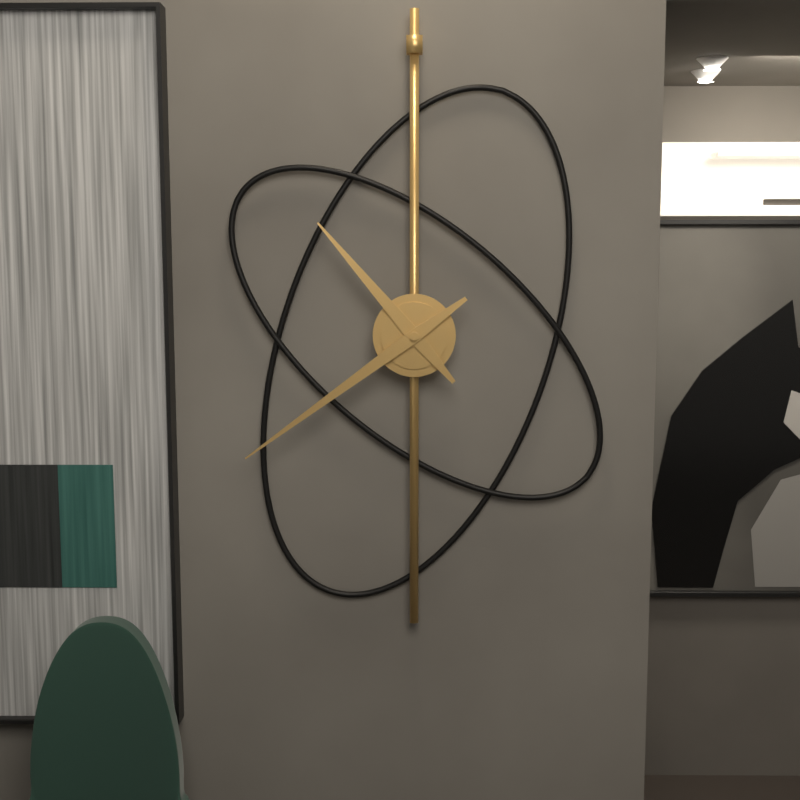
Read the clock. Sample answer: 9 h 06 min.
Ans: 10 h 39 min
